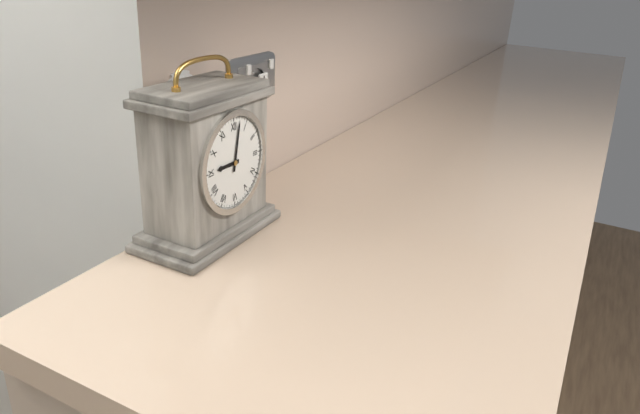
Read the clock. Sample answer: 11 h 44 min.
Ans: 9 h 02 min
